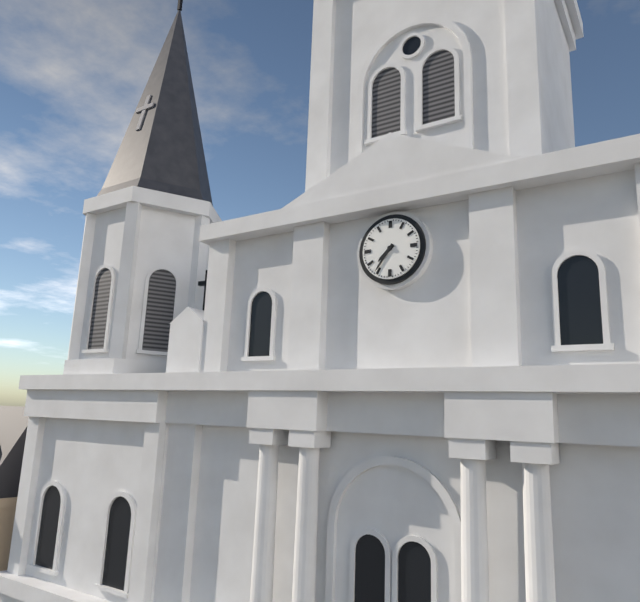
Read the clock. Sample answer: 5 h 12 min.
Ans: 7 h 36 min
